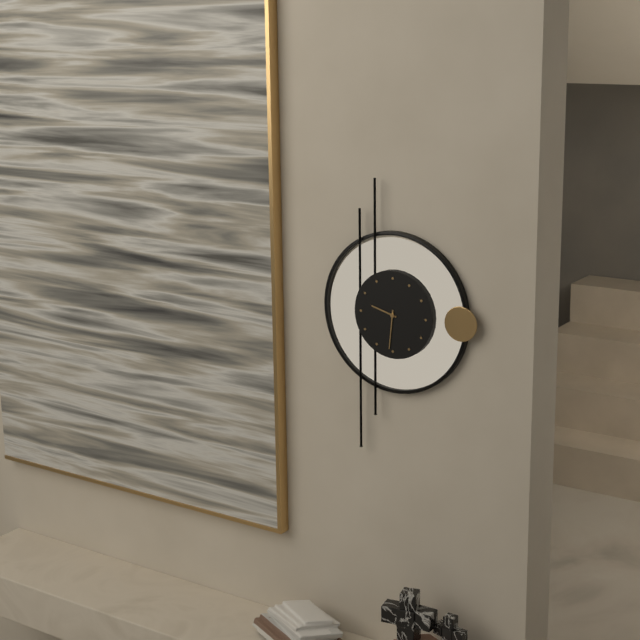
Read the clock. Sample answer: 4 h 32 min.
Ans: 9 h 31 min
